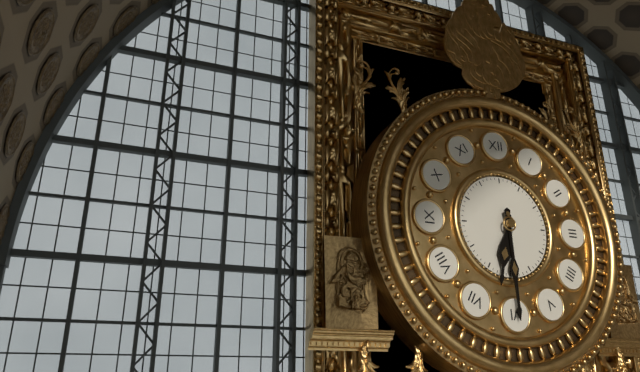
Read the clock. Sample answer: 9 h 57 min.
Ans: 6 h 30 min
